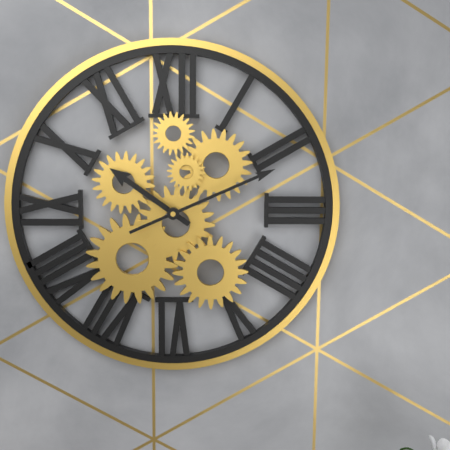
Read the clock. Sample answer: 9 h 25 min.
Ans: 10 h 11 min
